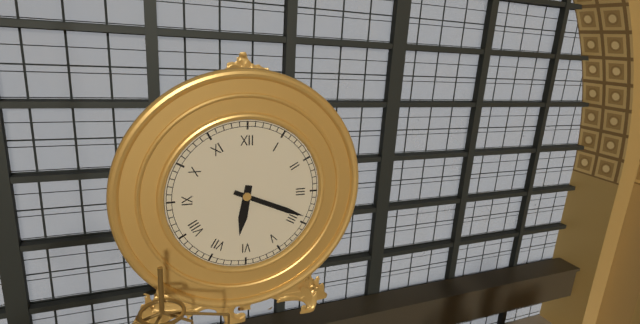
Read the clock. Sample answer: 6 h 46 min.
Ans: 6 h 19 min
